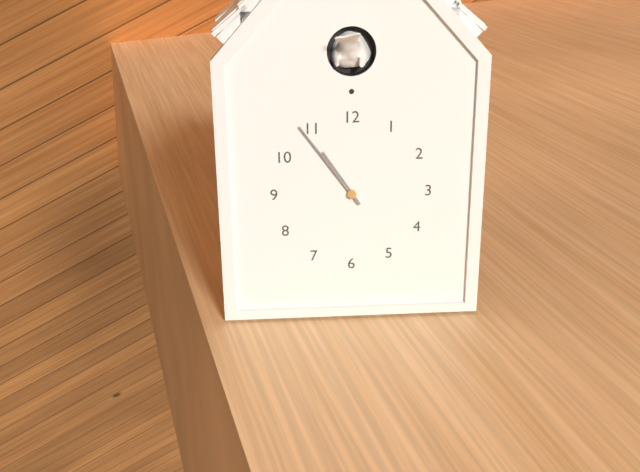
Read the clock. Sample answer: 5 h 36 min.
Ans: 10 h 54 min
